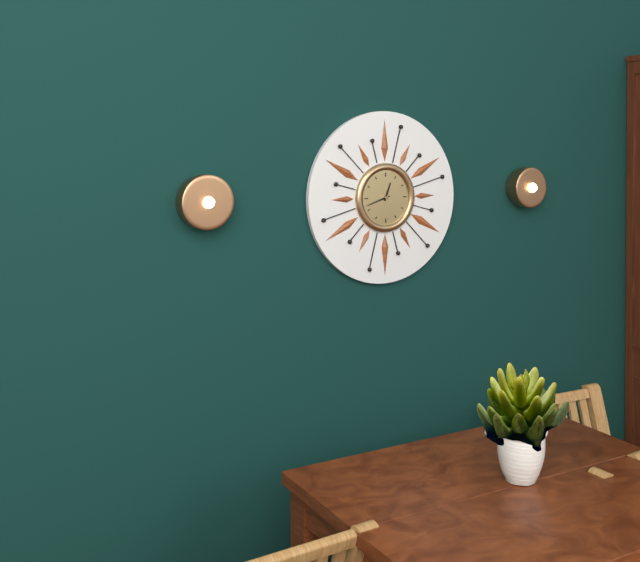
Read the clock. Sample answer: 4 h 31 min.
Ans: 12 h 42 min
